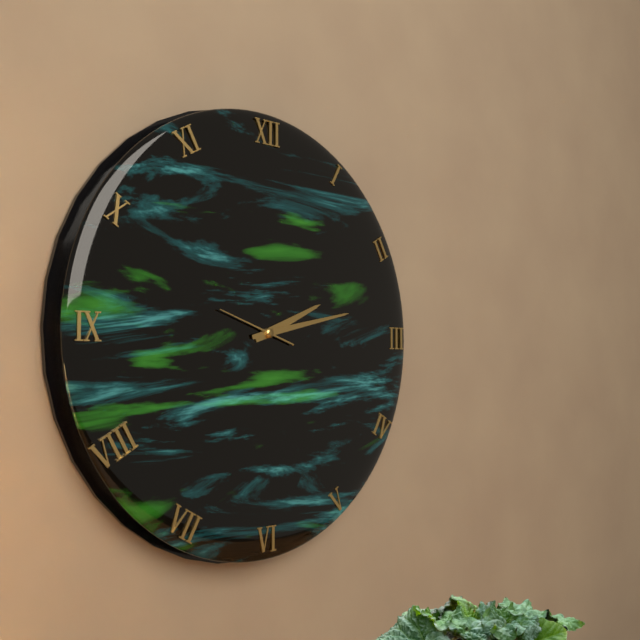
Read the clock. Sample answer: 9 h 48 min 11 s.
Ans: 2 h 13 min 48 s
